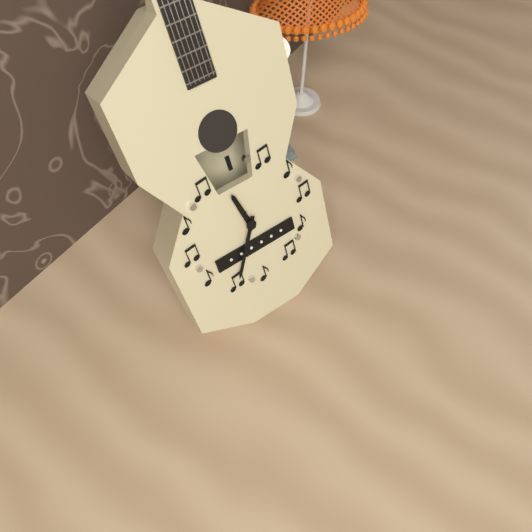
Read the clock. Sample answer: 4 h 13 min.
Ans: 11 h 35 min
